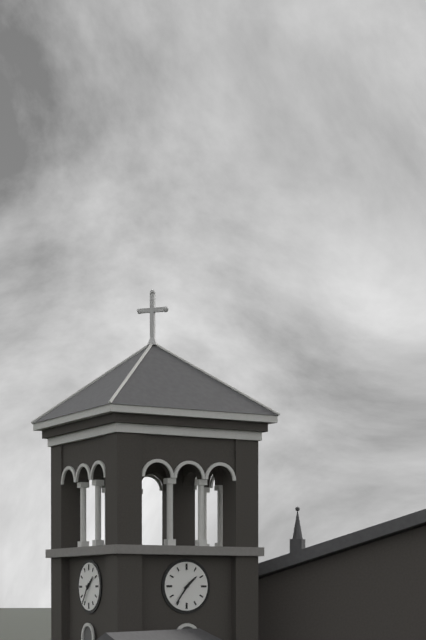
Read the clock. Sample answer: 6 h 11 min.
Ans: 1 h 36 min
